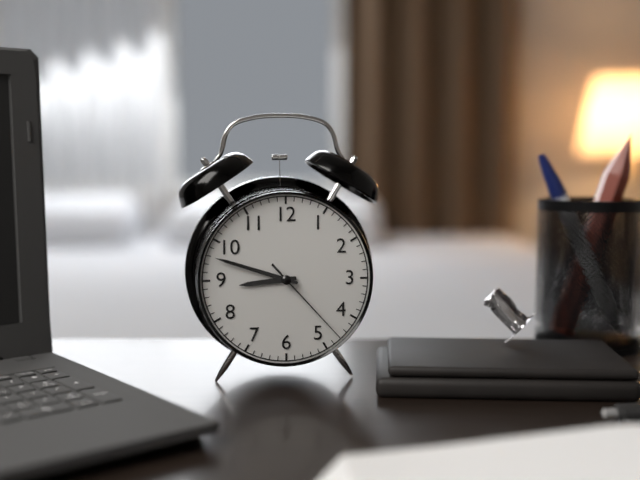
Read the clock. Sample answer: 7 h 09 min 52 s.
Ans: 8 h 48 min 23 s
